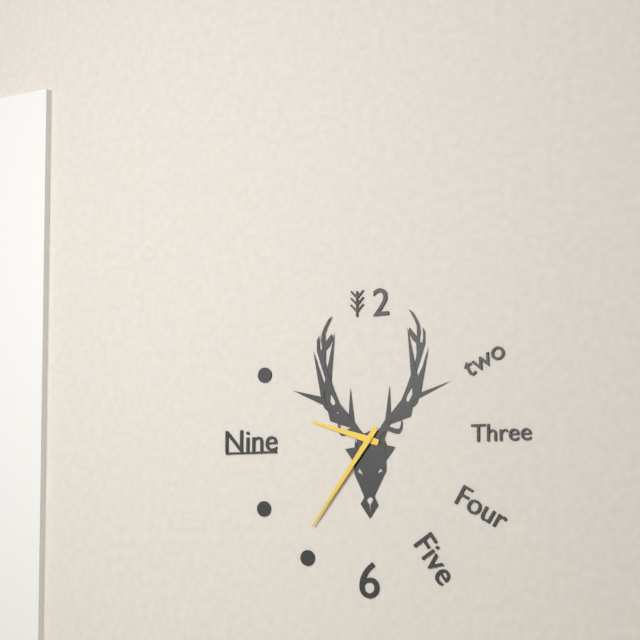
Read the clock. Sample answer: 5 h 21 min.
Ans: 9 h 36 min
